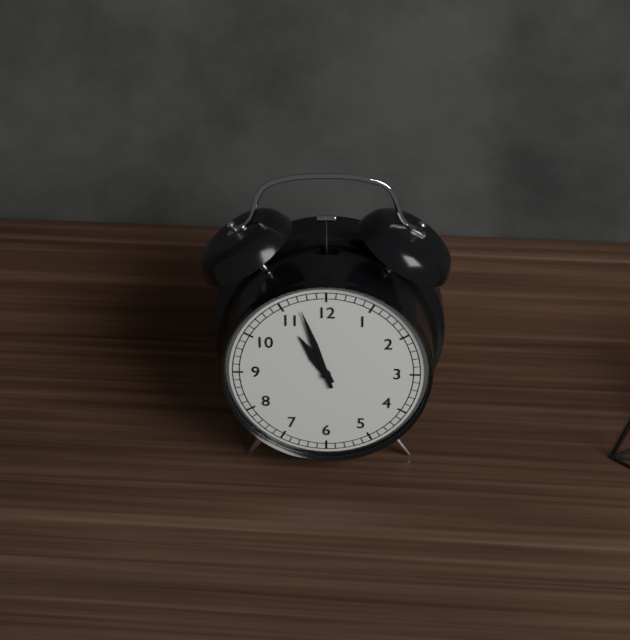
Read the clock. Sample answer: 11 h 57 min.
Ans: 10 h 57 min
